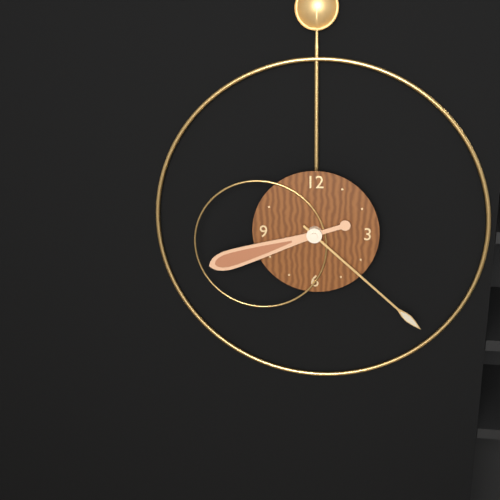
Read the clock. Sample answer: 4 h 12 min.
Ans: 8 h 22 min
